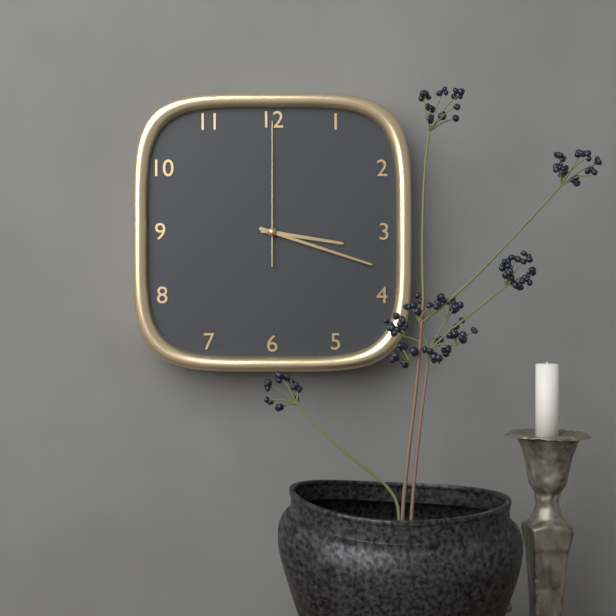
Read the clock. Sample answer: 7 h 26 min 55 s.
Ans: 3 h 18 min 00 s
